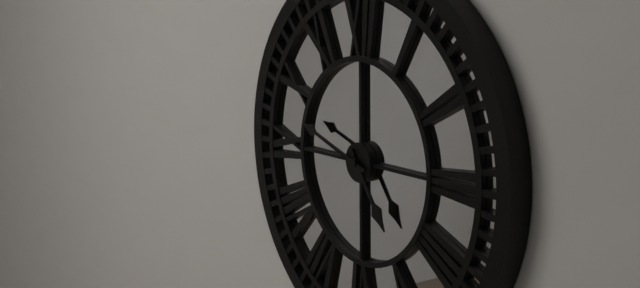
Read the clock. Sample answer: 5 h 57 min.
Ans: 4 h 48 min
